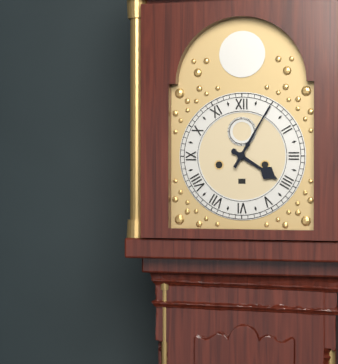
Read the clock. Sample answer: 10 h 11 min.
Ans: 4 h 05 min
